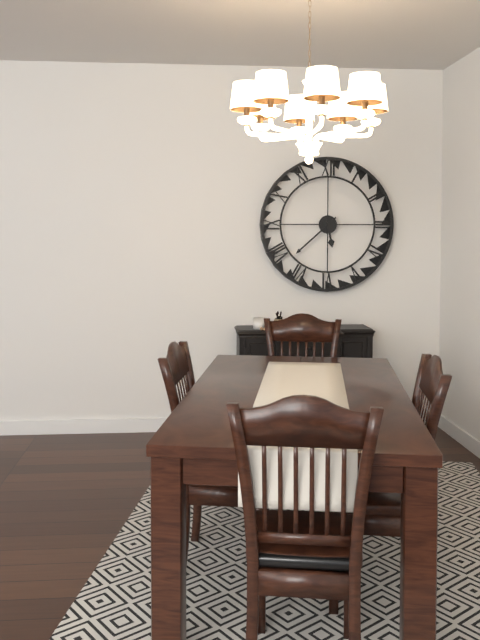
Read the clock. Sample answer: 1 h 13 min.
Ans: 5 h 38 min
